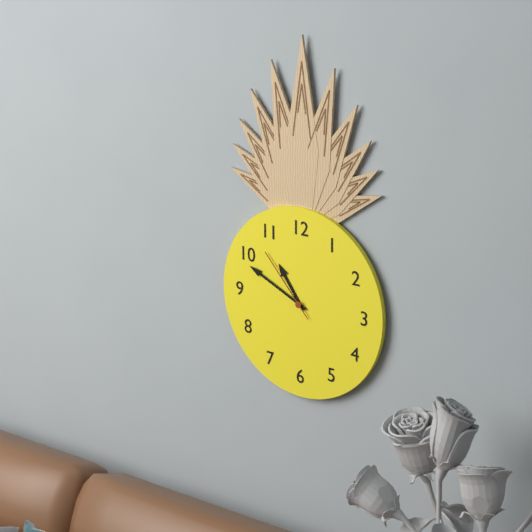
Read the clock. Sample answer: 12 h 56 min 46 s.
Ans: 10 h 49 min 53 s
